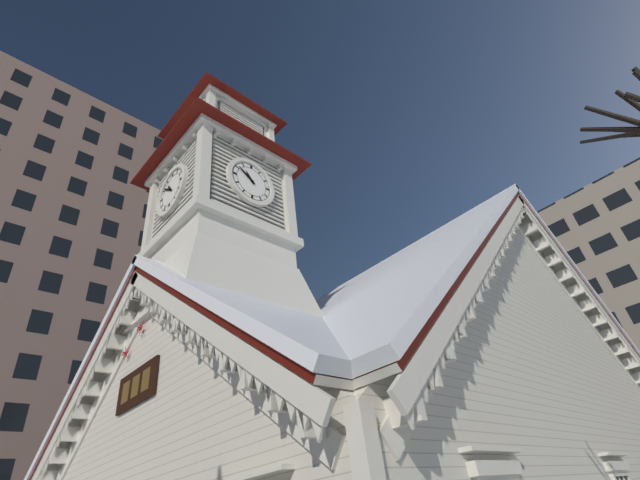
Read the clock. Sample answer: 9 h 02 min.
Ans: 10 h 51 min
